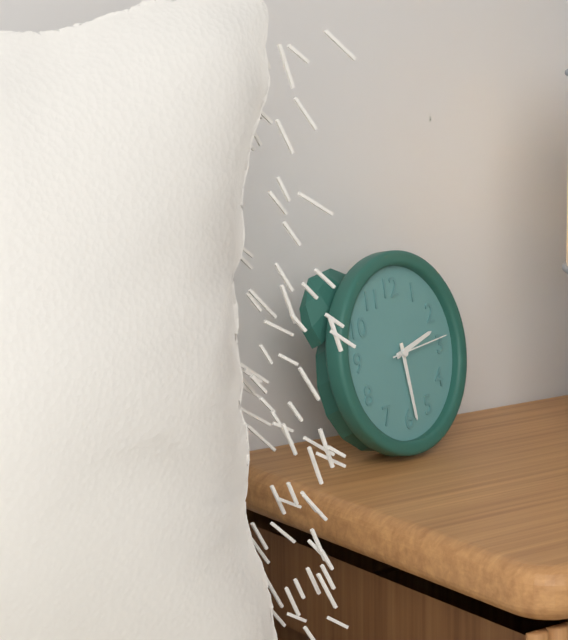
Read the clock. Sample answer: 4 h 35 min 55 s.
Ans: 2 h 29 min 14 s
